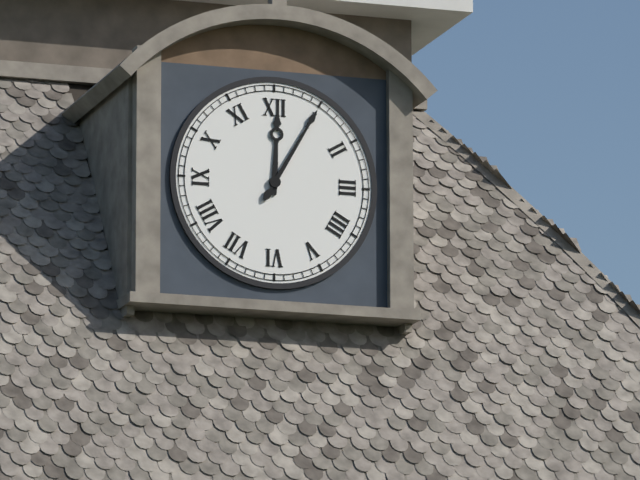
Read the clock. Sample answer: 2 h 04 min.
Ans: 12 h 05 min
